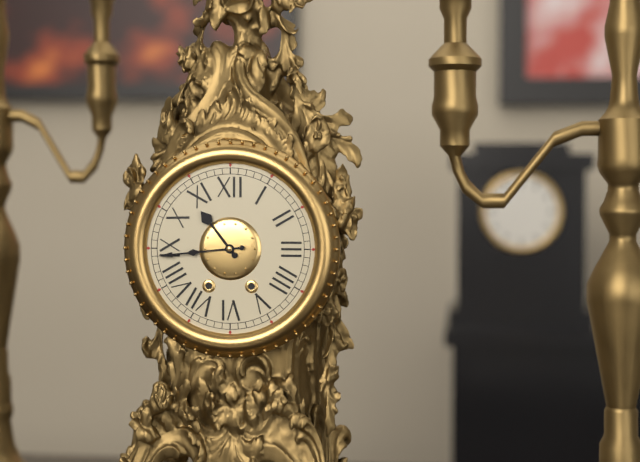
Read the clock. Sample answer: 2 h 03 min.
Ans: 10 h 44 min
